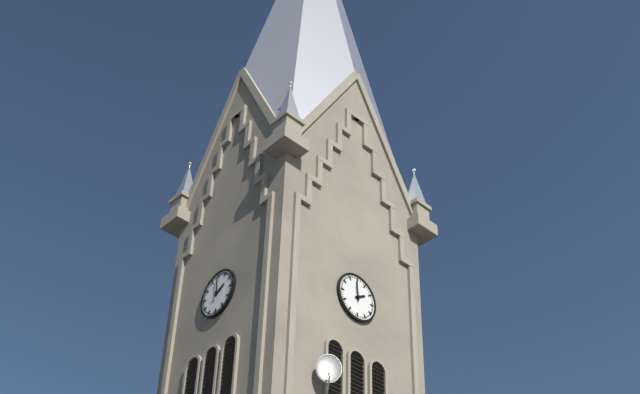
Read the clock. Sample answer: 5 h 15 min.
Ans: 1 h 59 min
